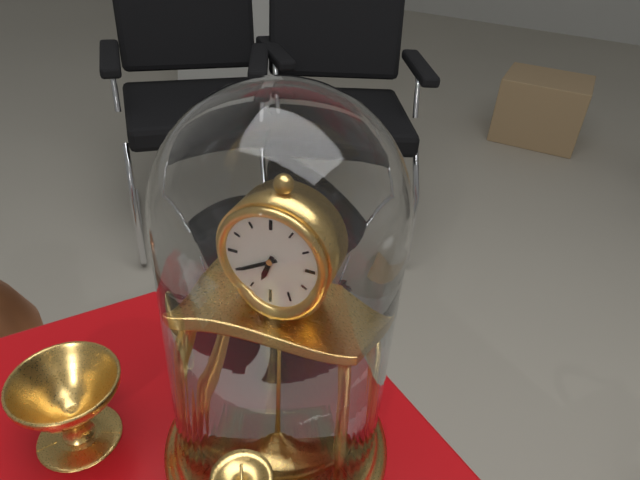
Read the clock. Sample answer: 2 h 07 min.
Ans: 6 h 40 min
